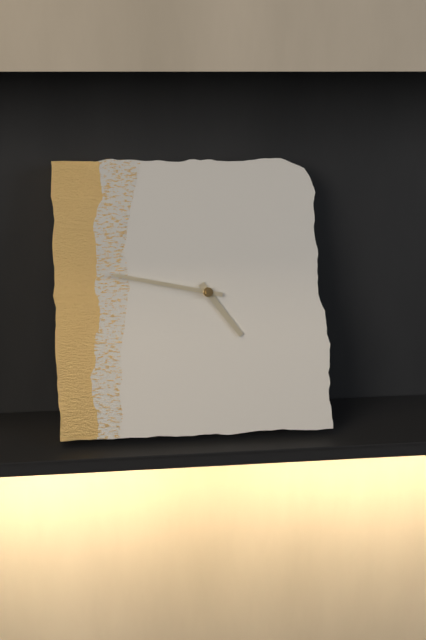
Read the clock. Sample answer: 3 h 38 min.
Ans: 4 h 47 min
